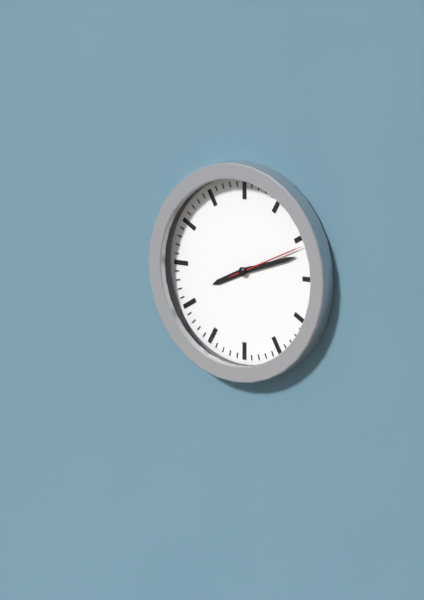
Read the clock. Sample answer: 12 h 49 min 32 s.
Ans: 8 h 12 min 11 s
